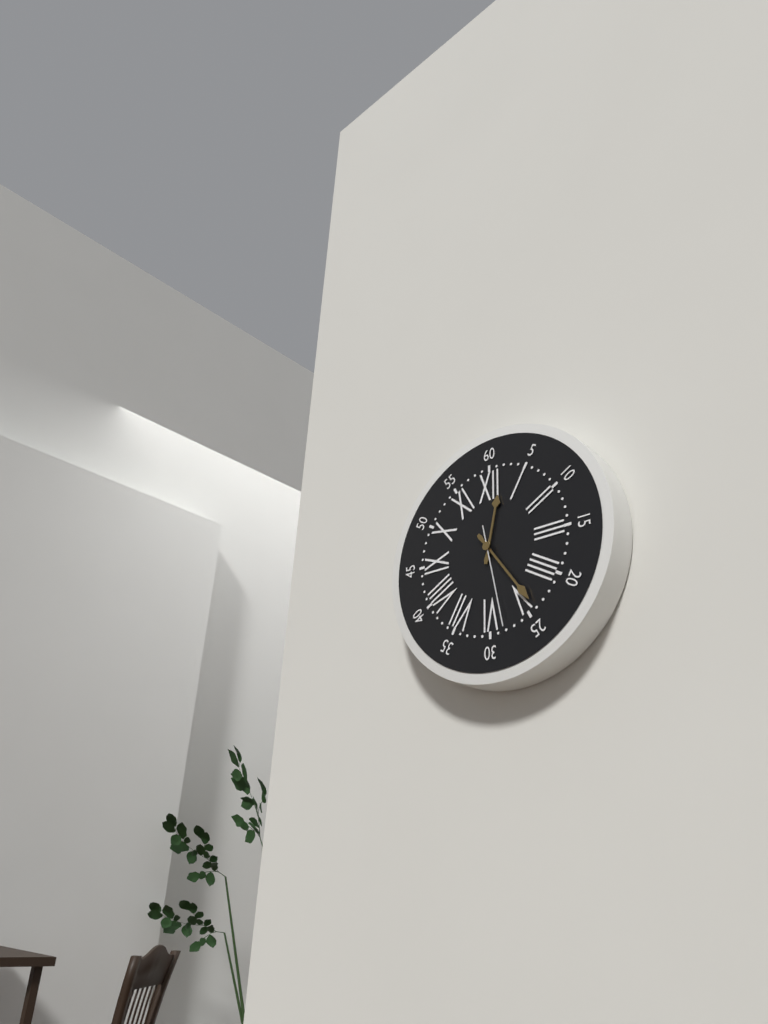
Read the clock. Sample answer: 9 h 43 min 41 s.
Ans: 12 h 24 min 28 s
